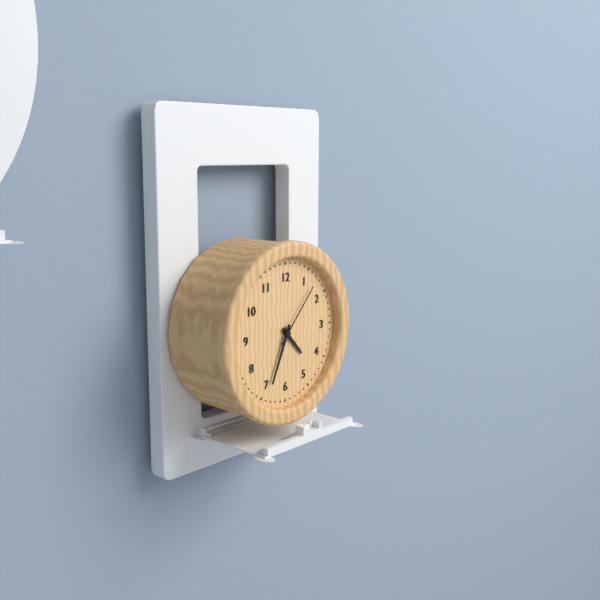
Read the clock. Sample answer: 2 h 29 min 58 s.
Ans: 4 h 34 min 07 s
